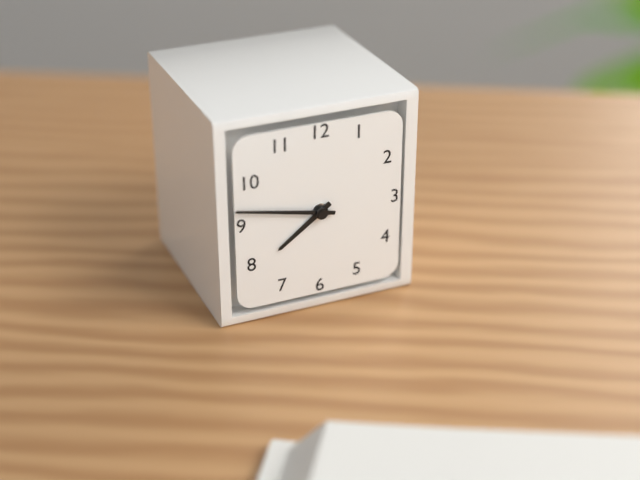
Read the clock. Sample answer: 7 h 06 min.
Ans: 7 h 47 min
